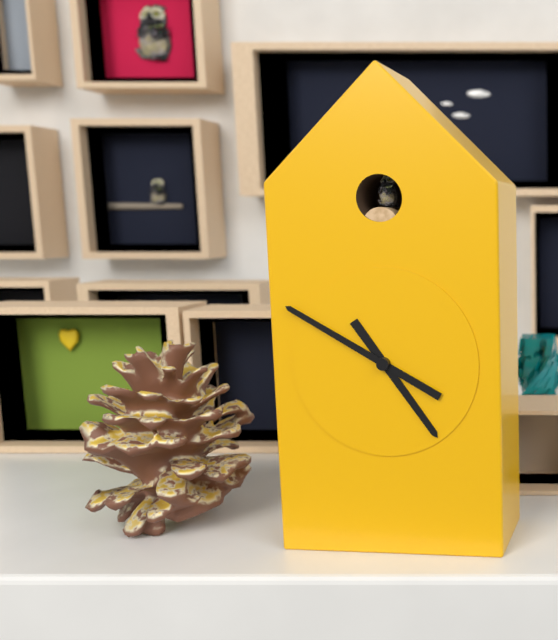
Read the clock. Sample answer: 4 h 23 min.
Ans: 4 h 50 min
